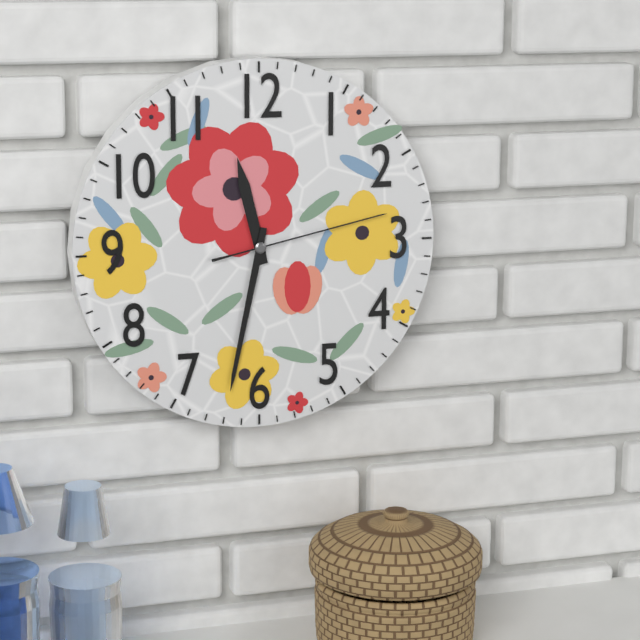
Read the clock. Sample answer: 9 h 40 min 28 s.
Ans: 11 h 32 min 13 s
